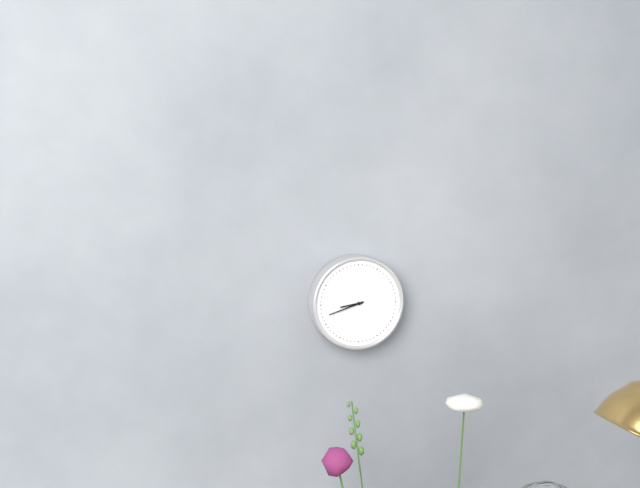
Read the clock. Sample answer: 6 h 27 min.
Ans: 8 h 42 min
